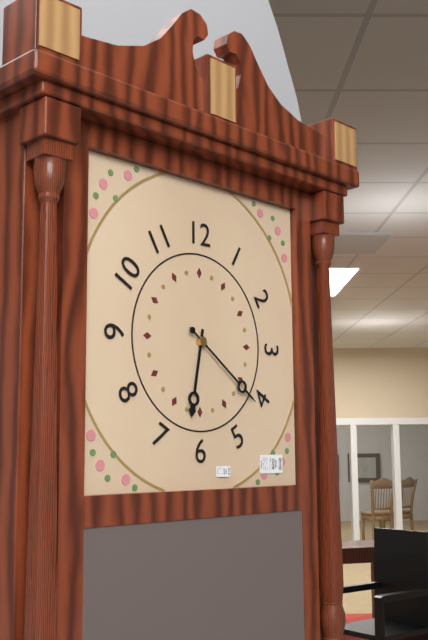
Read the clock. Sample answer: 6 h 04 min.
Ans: 6 h 21 min
